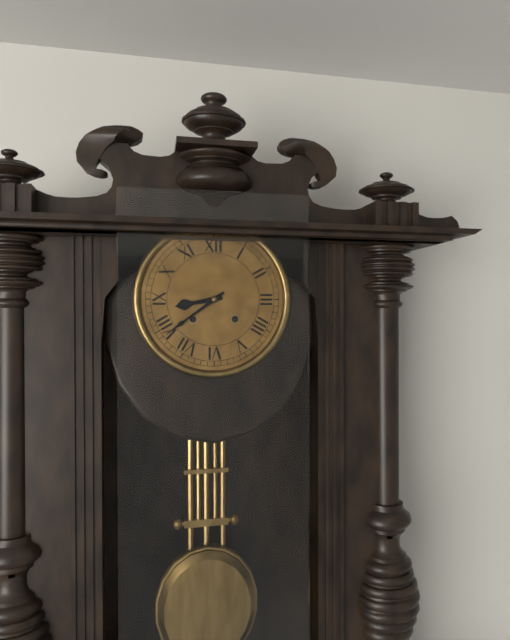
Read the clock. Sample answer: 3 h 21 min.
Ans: 8 h 39 min
